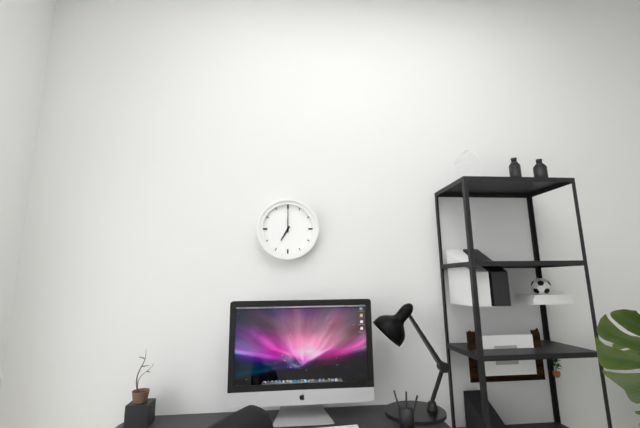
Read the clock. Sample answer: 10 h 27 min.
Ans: 7 h 00 min
